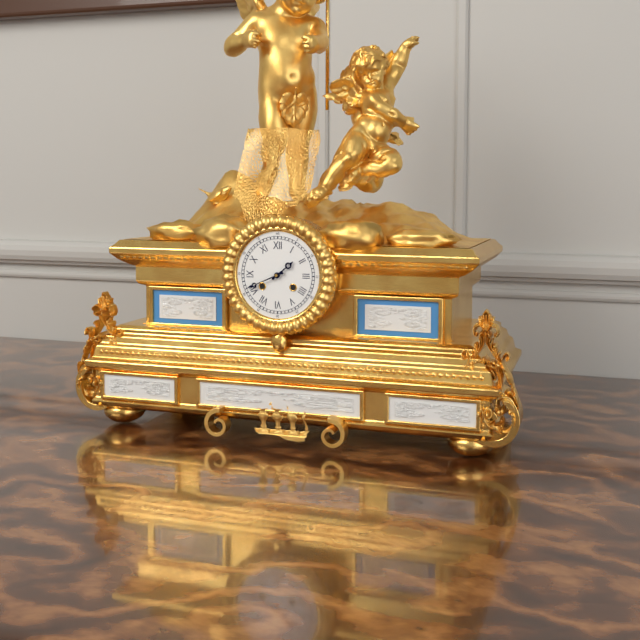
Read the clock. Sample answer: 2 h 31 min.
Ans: 1 h 41 min
